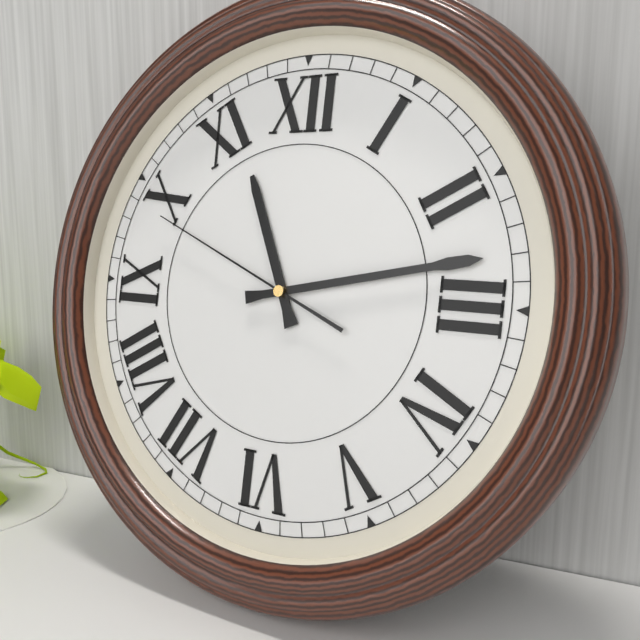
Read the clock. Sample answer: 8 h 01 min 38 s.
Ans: 11 h 13 min 49 s
